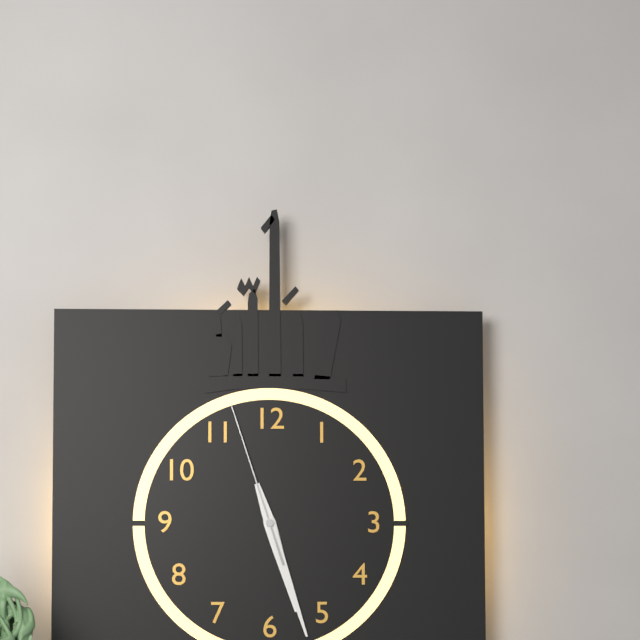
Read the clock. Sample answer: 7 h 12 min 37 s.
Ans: 5 h 27 min 57 s
